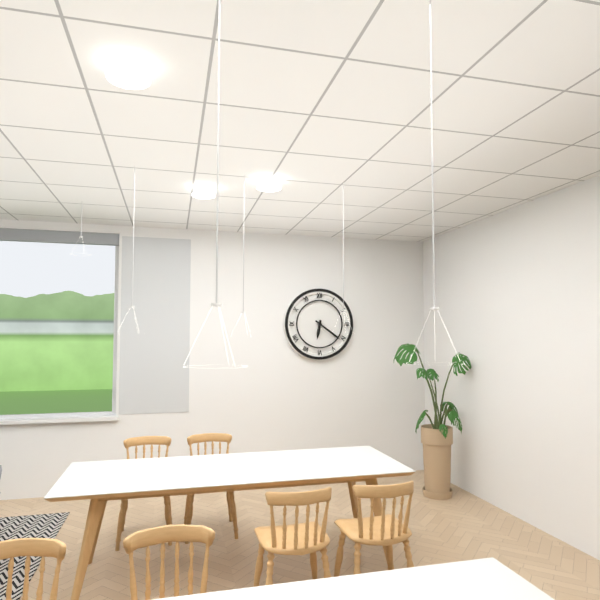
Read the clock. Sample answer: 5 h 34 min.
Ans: 6 h 21 min
